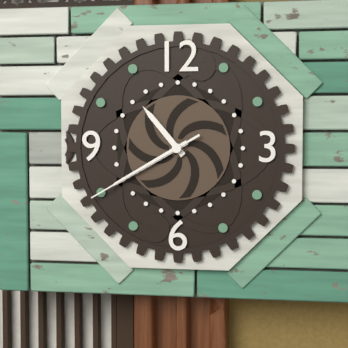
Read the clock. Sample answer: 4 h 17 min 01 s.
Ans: 10 h 40 min 40 s
